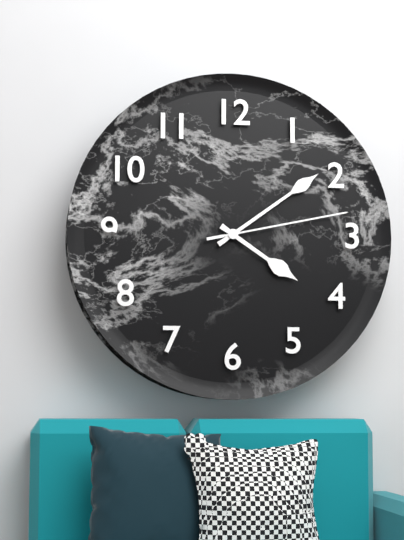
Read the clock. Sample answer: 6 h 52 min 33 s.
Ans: 4 h 09 min 13 s
